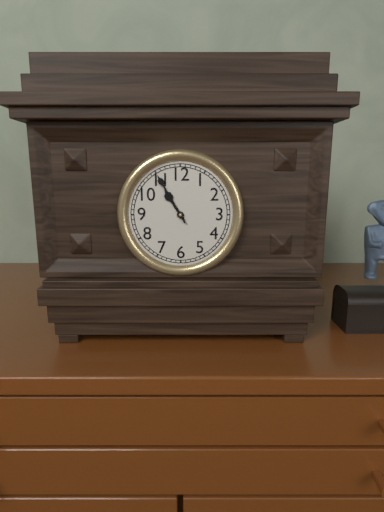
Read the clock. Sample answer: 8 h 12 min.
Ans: 10 h 55 min
